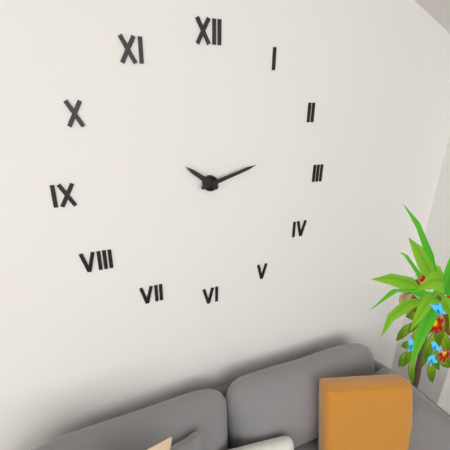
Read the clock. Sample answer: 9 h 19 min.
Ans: 10 h 12 min
